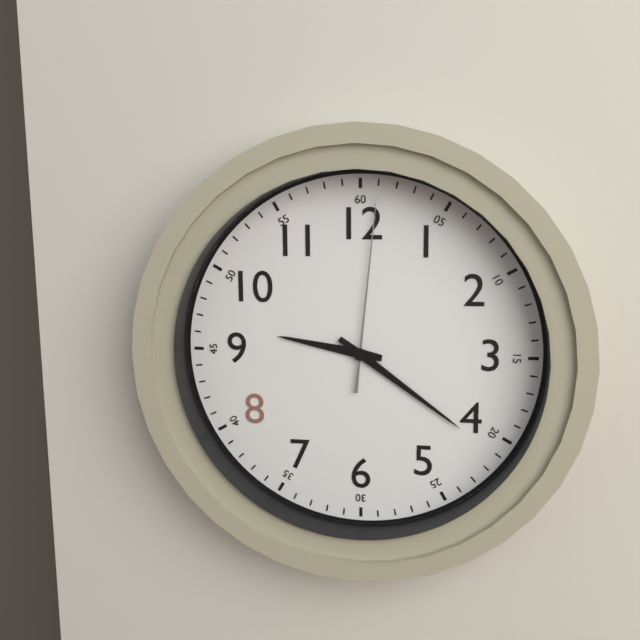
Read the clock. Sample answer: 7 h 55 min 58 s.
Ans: 9 h 21 min 01 s
